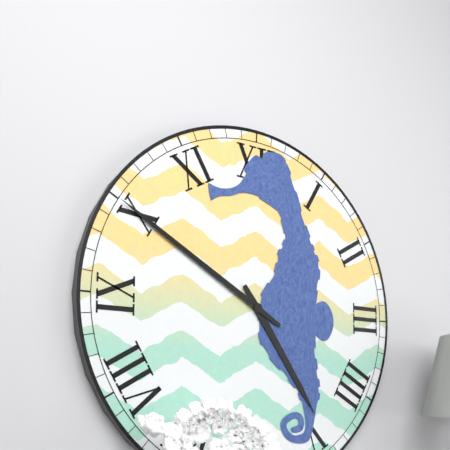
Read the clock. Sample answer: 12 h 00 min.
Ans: 4 h 50 min
